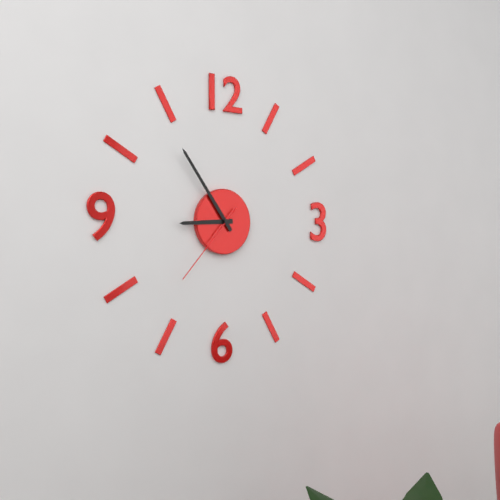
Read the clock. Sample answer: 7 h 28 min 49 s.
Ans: 8 h 54 min 37 s
